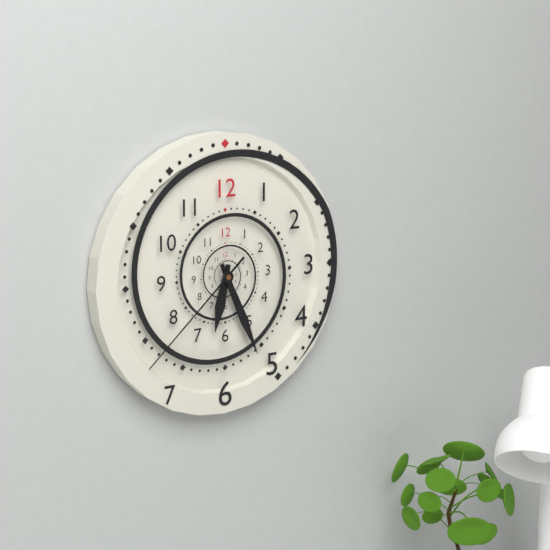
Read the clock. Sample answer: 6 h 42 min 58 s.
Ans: 6 h 26 min 38 s
